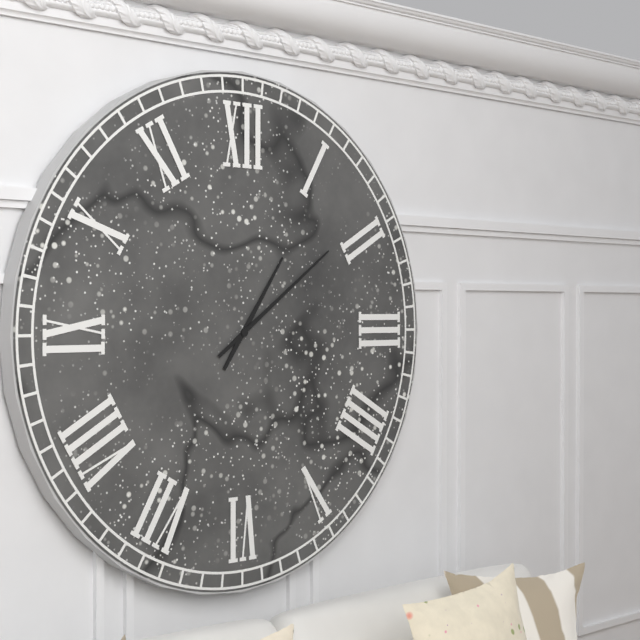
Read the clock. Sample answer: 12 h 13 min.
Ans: 1 h 09 min
